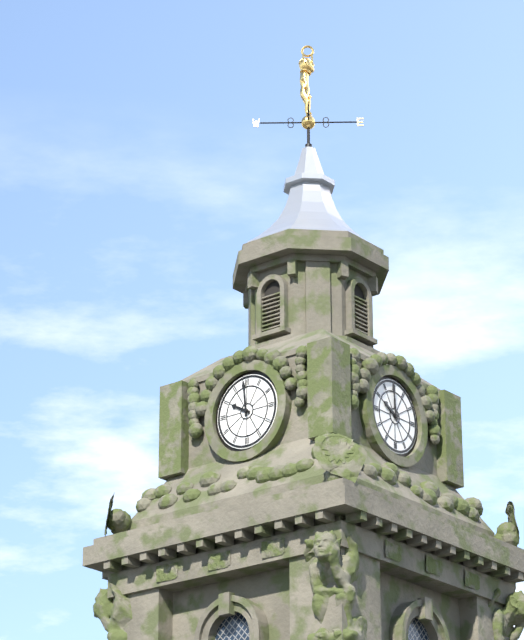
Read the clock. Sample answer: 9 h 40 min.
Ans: 9 h 59 min
